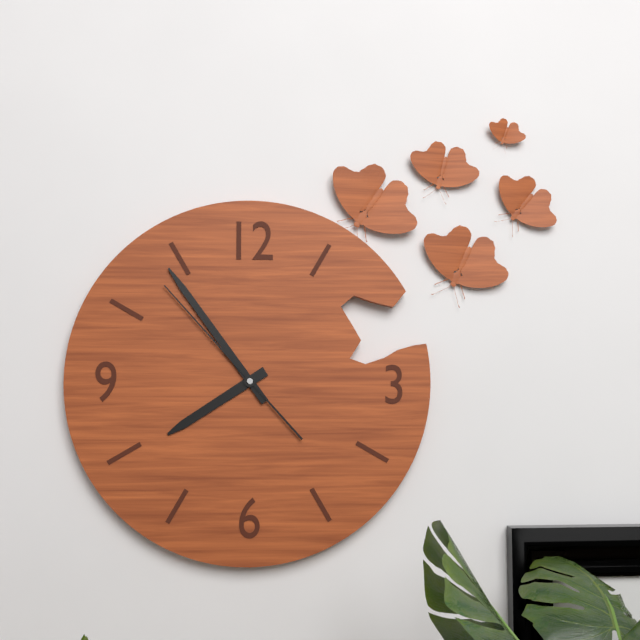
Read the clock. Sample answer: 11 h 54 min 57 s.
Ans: 7 h 54 min 53 s
